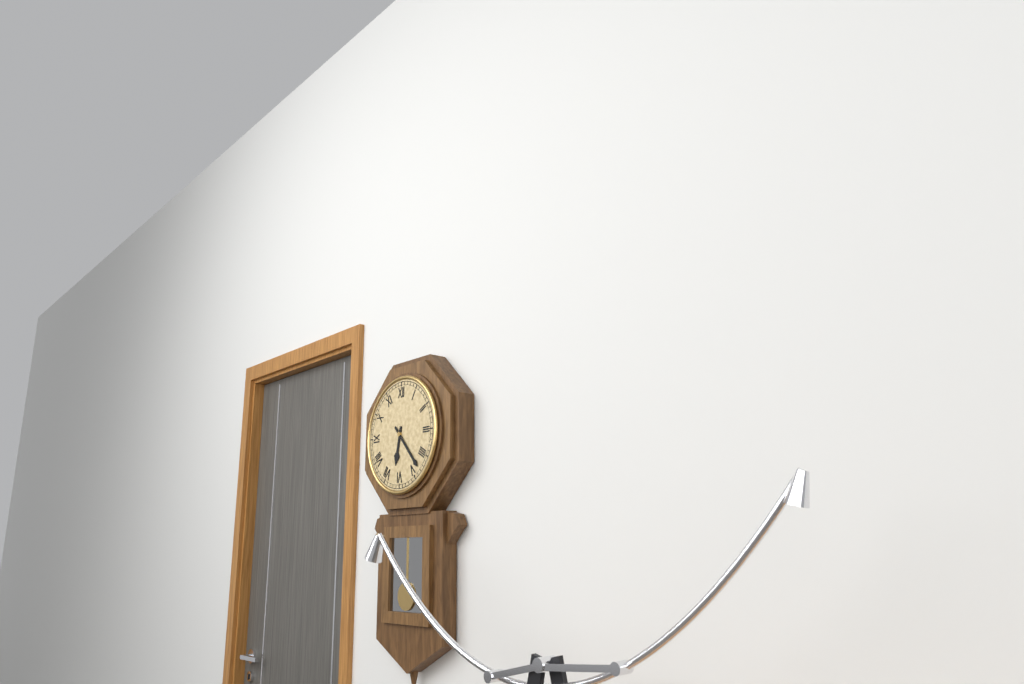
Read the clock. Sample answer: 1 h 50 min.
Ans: 6 h 23 min
